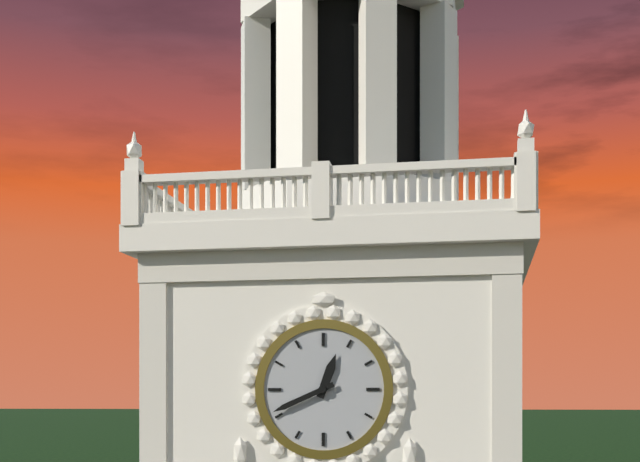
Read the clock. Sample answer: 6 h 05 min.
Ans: 12 h 41 min
